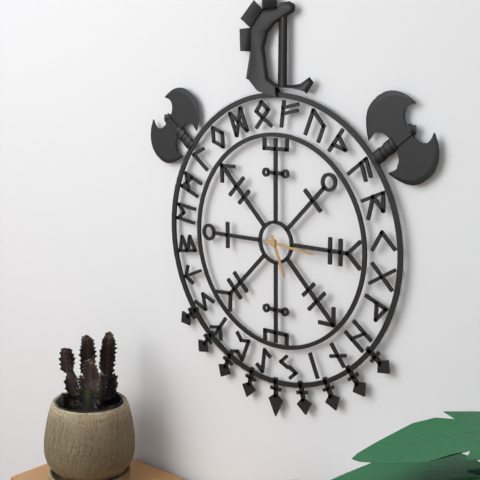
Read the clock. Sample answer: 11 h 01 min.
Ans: 5 h 16 min
